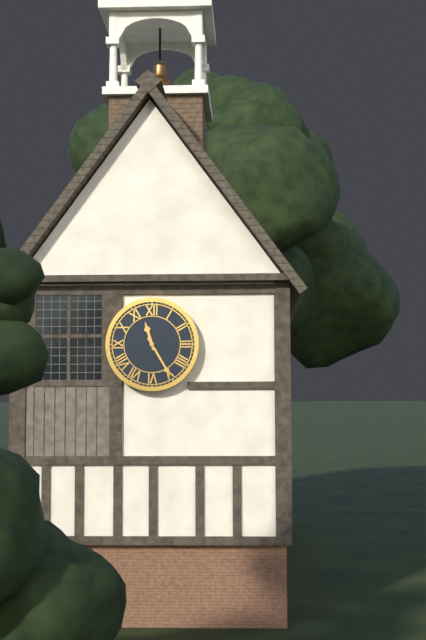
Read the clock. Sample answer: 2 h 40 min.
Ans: 11 h 25 min
